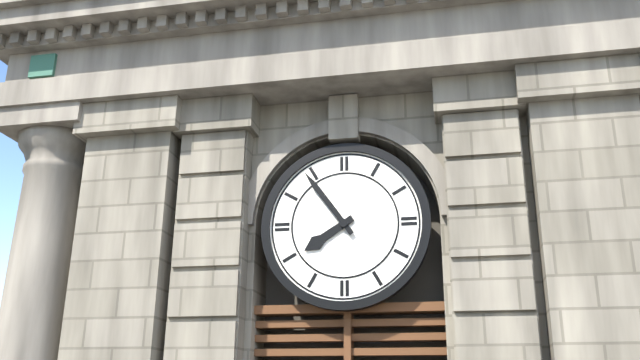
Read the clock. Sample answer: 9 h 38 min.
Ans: 7 h 54 min
